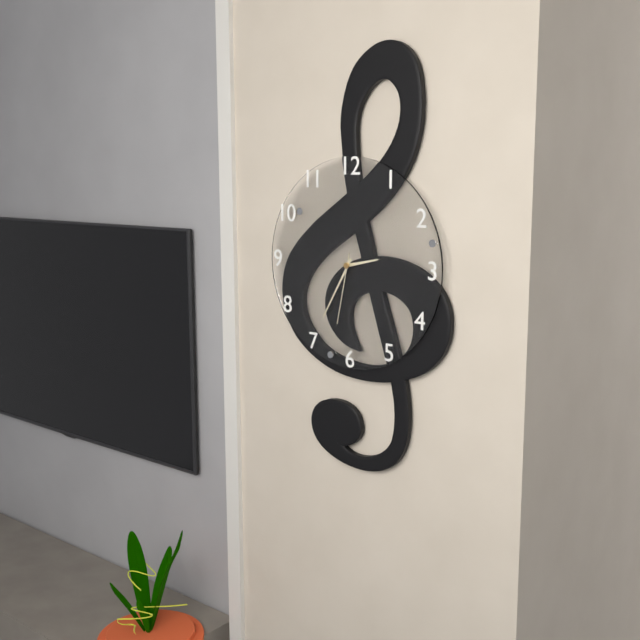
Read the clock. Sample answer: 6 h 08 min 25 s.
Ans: 2 h 35 min 32 s
